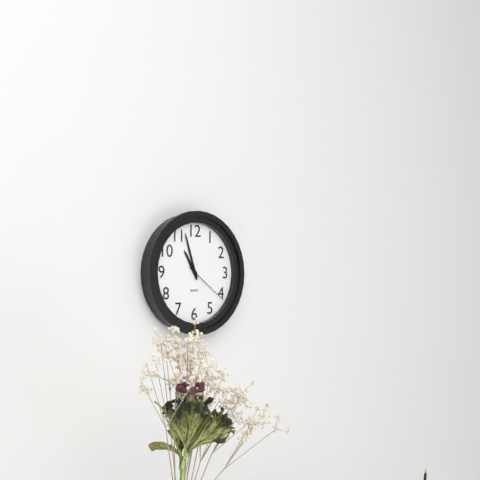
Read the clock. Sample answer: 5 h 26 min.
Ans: 10 h 57 min
